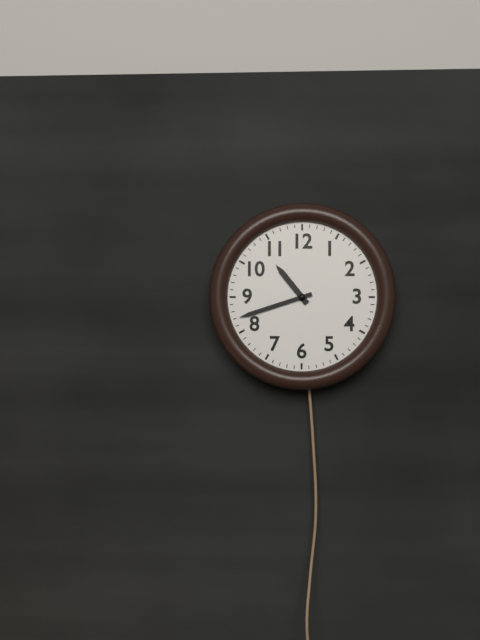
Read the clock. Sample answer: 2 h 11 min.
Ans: 10 h 42 min
